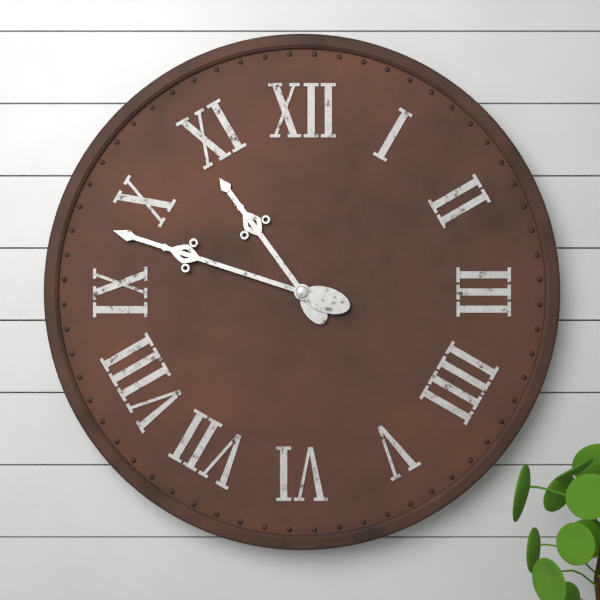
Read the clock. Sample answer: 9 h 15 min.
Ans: 10 h 48 min
